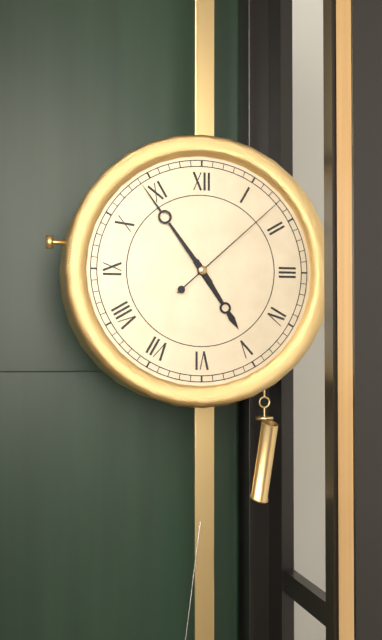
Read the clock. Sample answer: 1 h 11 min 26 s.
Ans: 4 h 54 min 08 s
